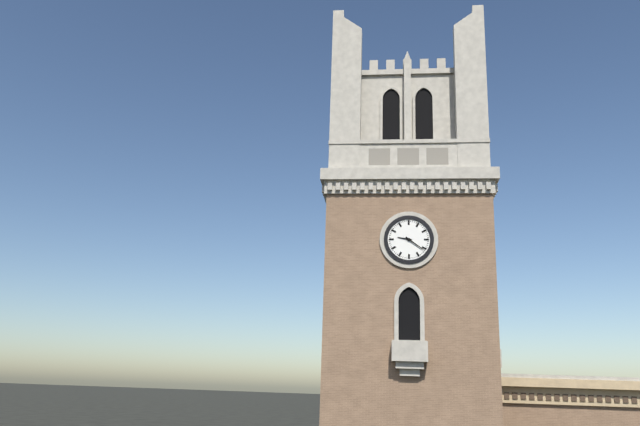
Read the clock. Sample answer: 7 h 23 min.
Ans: 9 h 21 min
